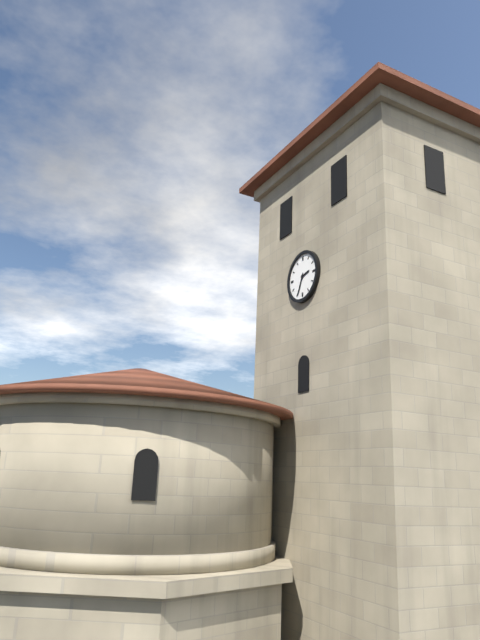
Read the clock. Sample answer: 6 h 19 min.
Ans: 2 h 34 min
